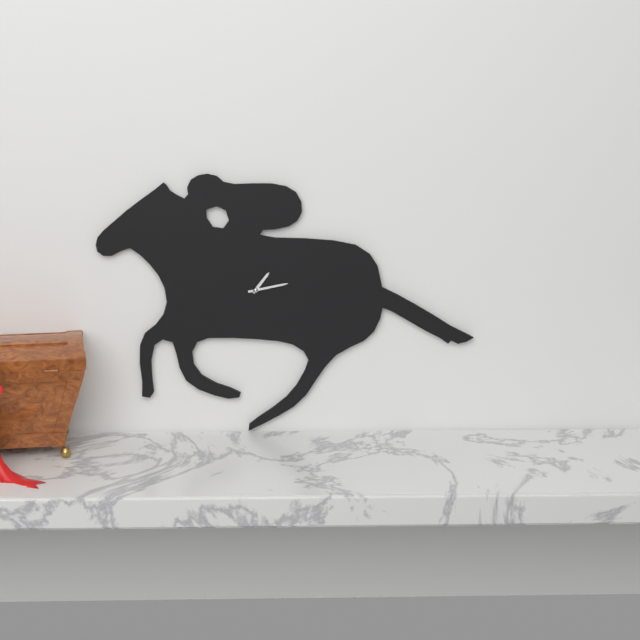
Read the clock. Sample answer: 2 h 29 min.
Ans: 1 h 13 min
